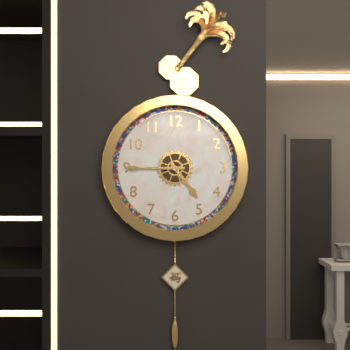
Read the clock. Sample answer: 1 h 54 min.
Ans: 4 h 45 min
